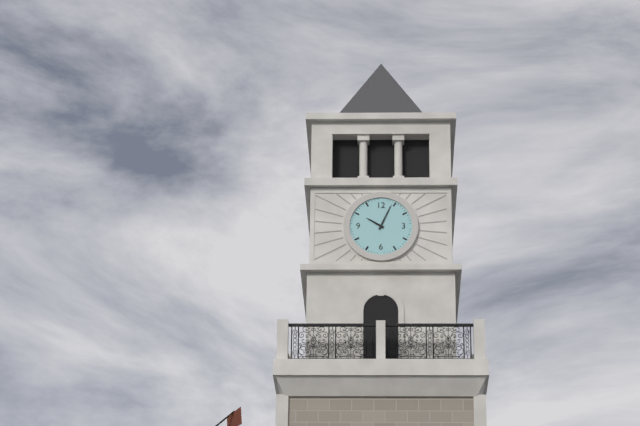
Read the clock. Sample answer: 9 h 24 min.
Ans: 10 h 04 min
